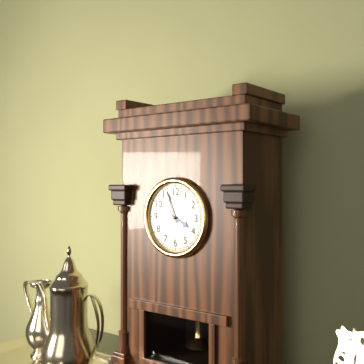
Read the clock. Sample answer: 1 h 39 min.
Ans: 3 h 56 min
